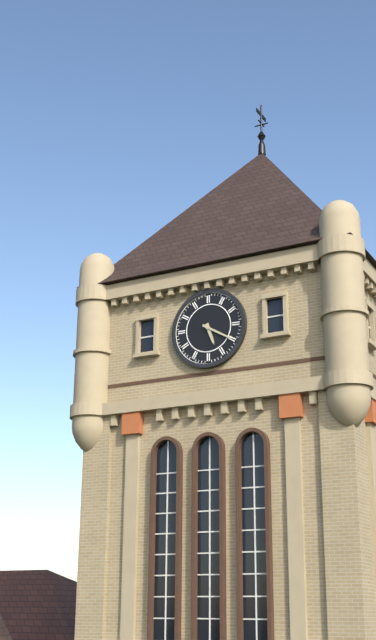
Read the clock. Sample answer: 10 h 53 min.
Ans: 5 h 20 min
